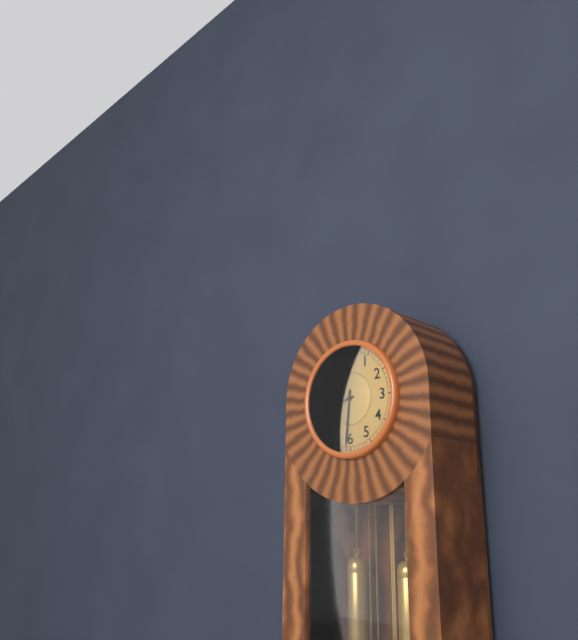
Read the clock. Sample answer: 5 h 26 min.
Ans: 8 h 31 min
